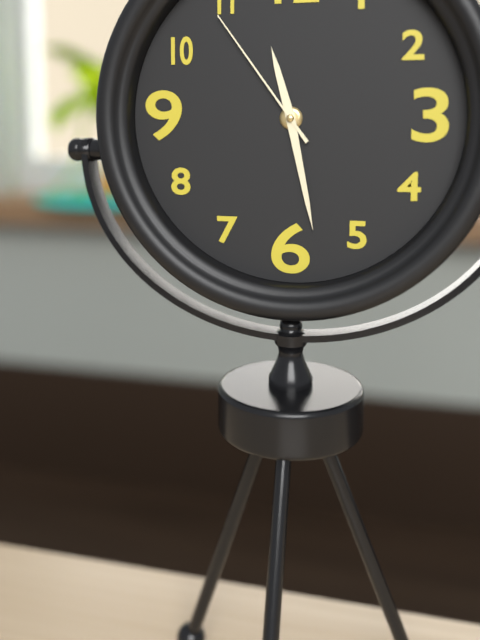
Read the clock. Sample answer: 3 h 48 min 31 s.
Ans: 11 h 28 min 54 s
